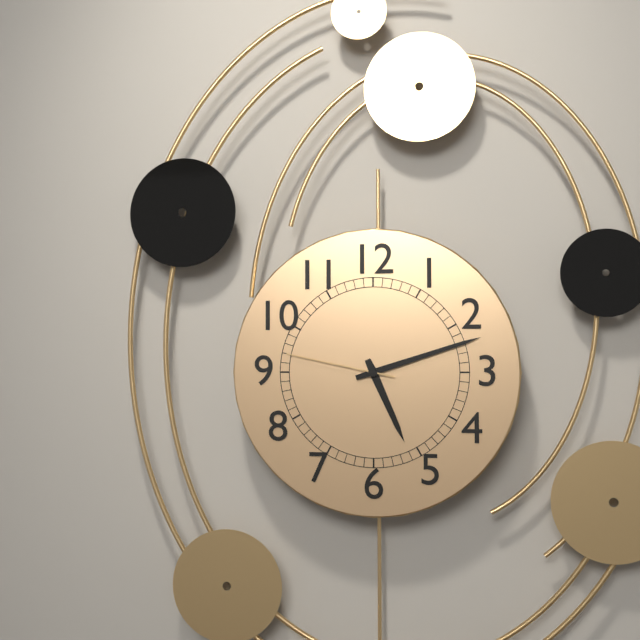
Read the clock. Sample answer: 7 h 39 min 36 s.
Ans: 5 h 12 min 47 s
